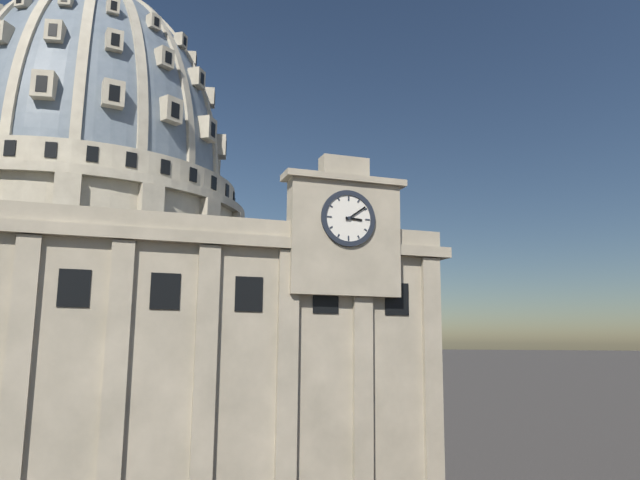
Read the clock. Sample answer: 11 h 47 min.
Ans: 3 h 09 min
